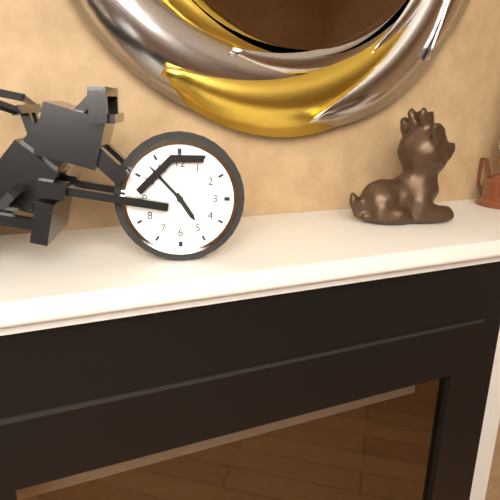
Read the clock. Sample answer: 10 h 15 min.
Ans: 4 h 53 min
